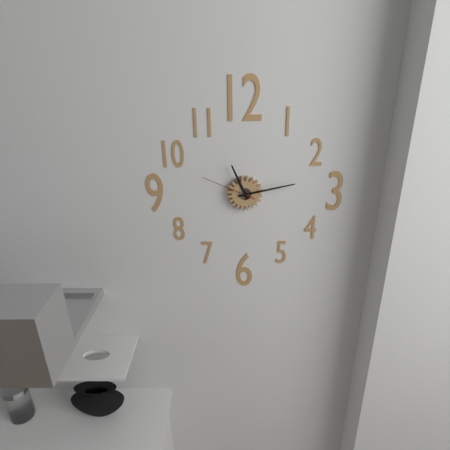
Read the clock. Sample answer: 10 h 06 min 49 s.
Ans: 11 h 13 min 49 s
